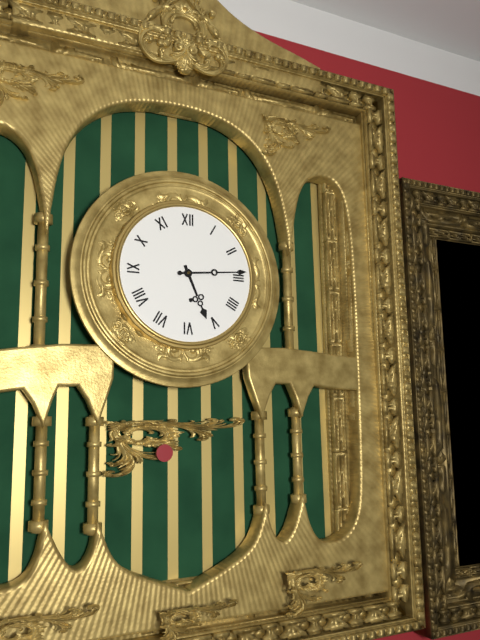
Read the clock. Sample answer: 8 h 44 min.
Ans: 5 h 14 min
